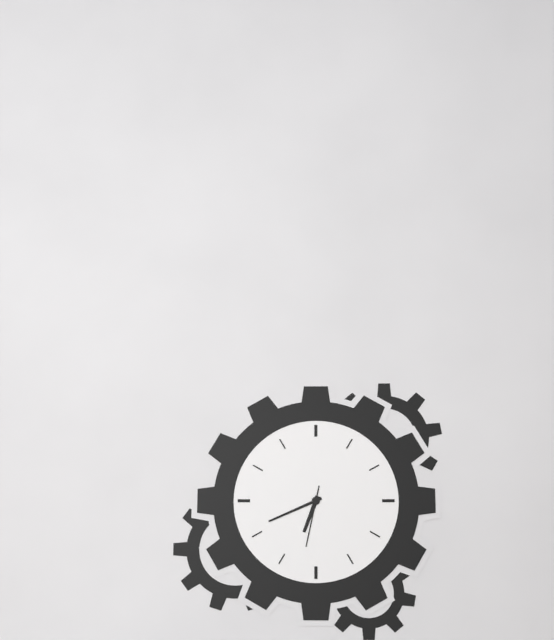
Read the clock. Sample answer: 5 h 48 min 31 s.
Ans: 6 h 41 min 32 s
